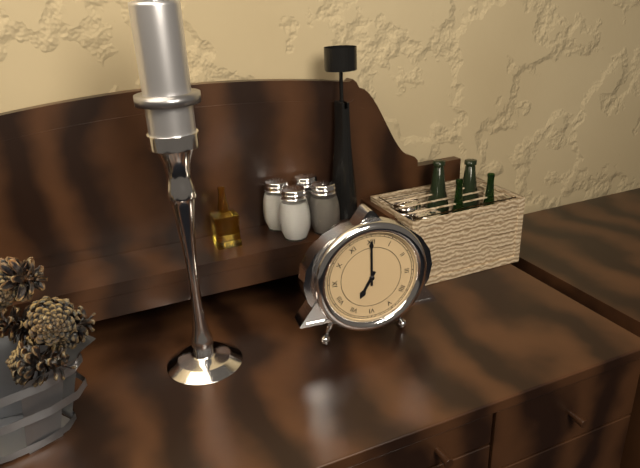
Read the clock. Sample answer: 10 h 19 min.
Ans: 7 h 00 min
